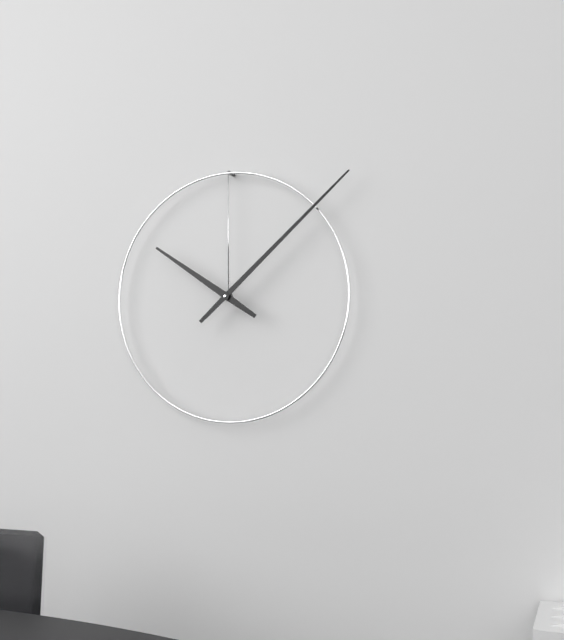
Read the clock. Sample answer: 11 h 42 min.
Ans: 10 h 08 min
